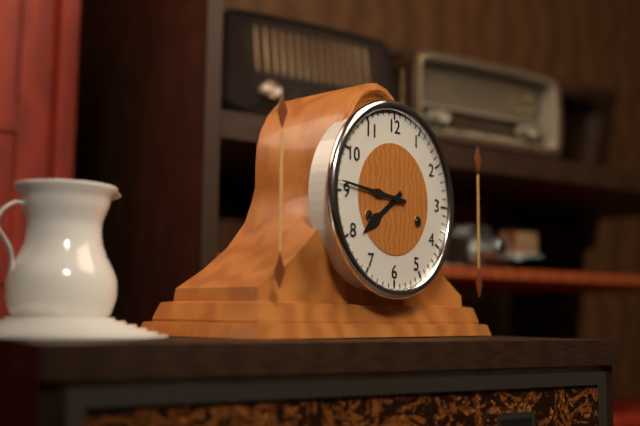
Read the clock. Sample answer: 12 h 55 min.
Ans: 7 h 46 min
